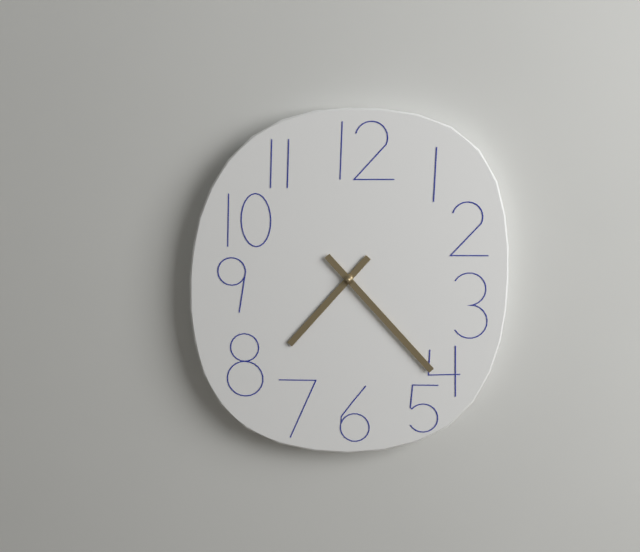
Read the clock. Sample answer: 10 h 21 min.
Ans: 7 h 23 min
